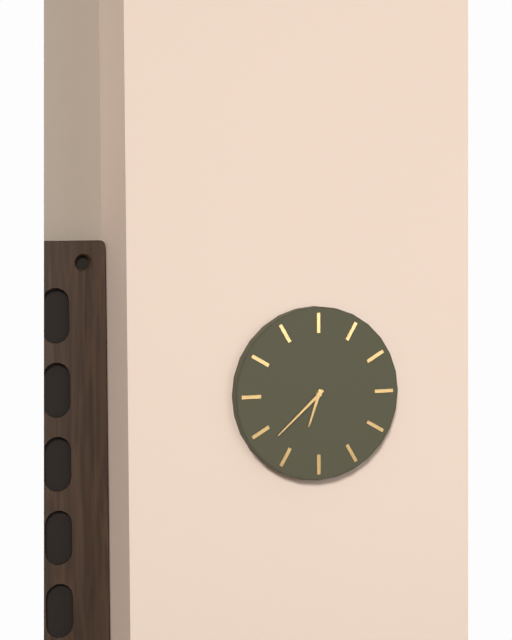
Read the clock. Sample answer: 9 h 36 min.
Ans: 6 h 38 min
